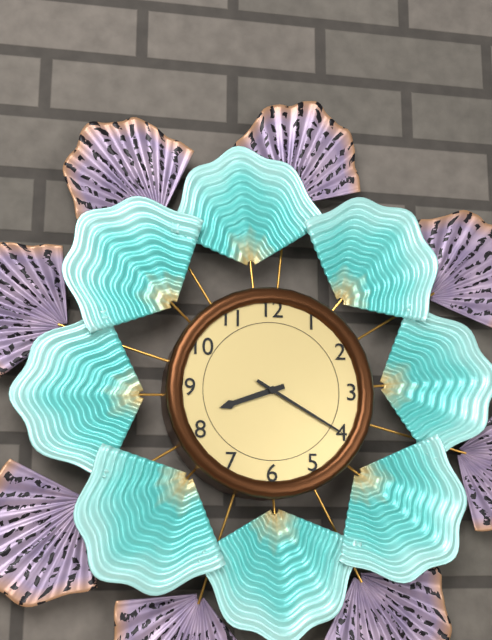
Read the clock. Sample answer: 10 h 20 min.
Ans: 8 h 20 min
